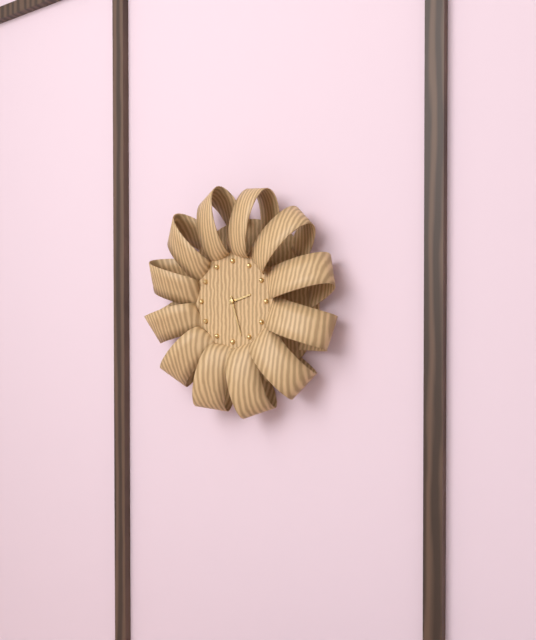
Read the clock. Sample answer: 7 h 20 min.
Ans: 2 h 27 min
